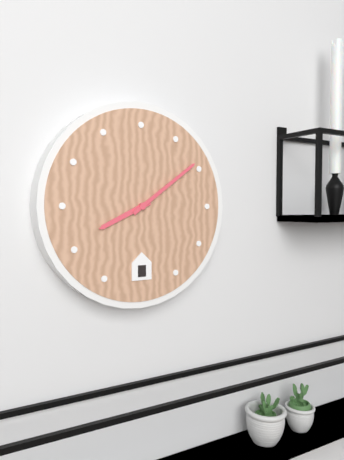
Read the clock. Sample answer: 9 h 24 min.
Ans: 8 h 09 min
